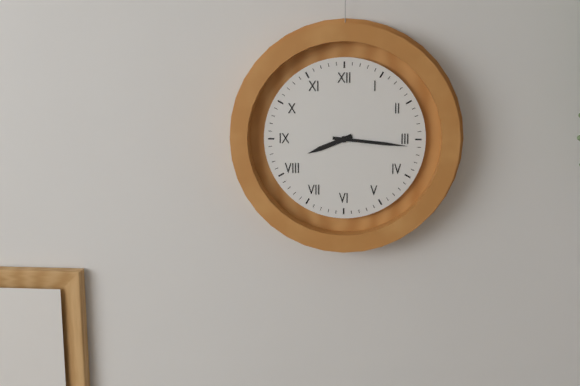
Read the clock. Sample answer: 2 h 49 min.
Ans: 8 h 16 min
